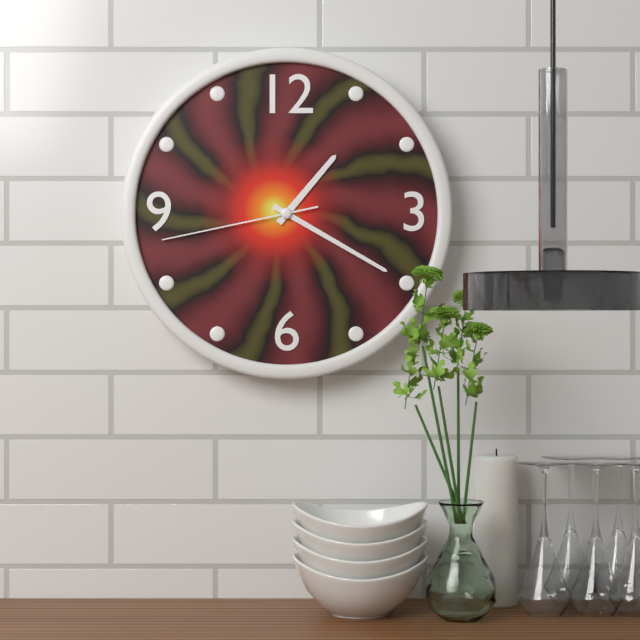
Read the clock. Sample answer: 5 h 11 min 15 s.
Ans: 1 h 20 min 43 s
